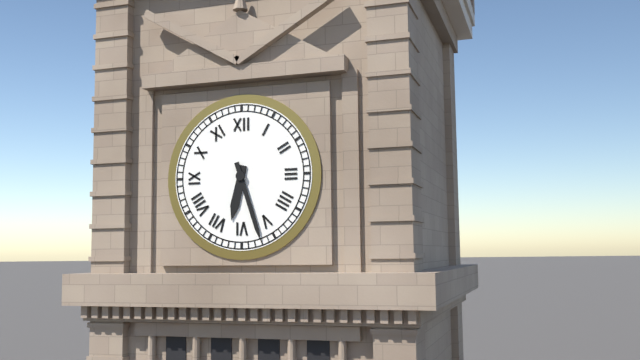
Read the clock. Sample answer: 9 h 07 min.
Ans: 6 h 27 min
